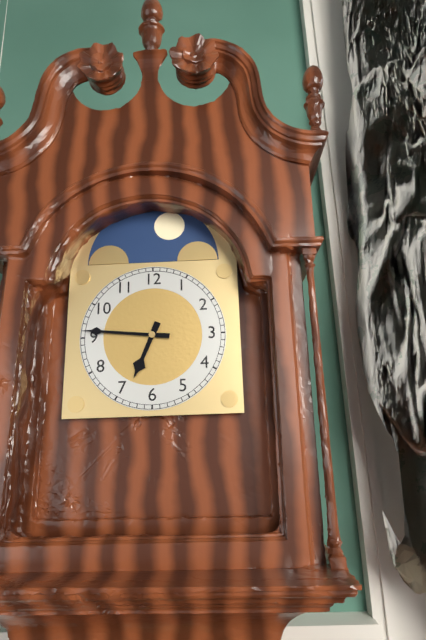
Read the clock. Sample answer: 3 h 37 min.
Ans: 6 h 46 min
